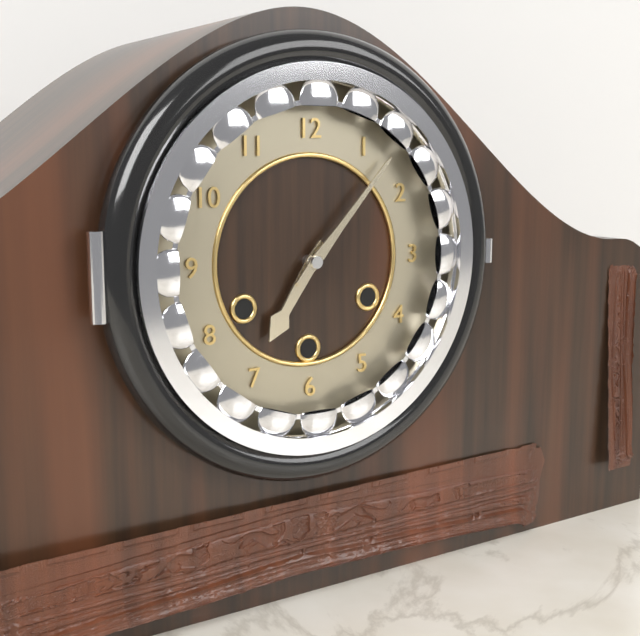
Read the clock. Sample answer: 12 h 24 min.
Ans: 7 h 07 min
